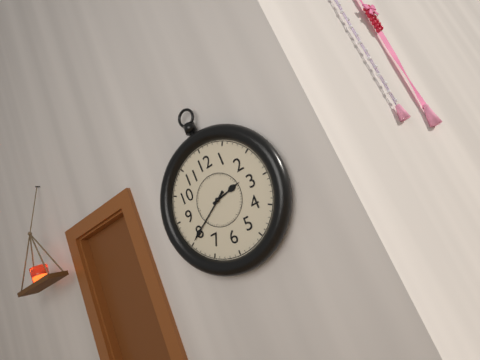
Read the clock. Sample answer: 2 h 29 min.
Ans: 2 h 40 min
